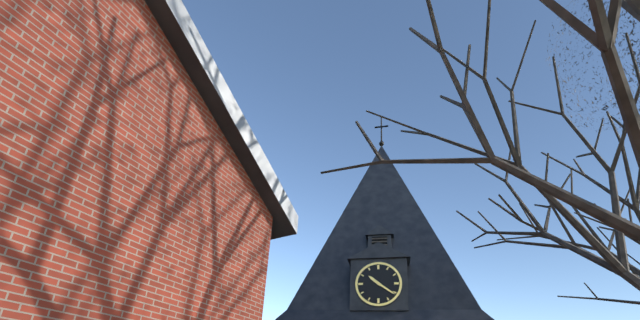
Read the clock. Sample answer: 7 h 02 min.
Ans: 10 h 21 min
